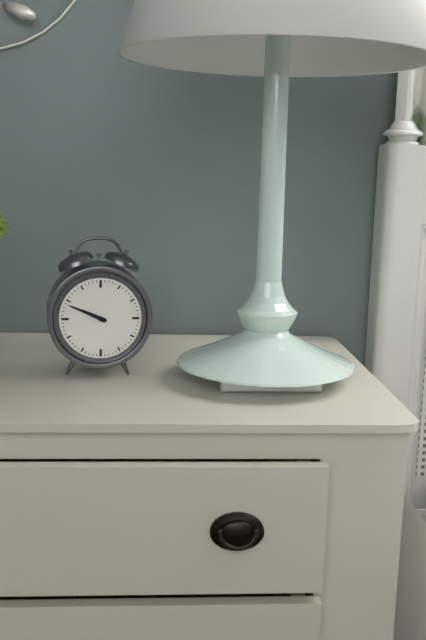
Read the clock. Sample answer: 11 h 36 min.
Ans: 9 h 49 min
